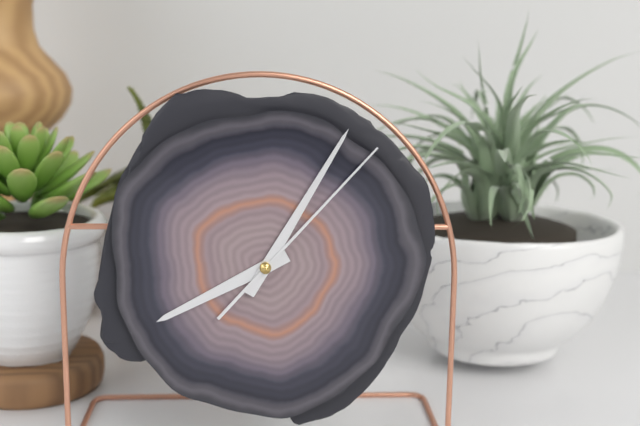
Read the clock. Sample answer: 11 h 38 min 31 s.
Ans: 8 h 05 min 07 s
